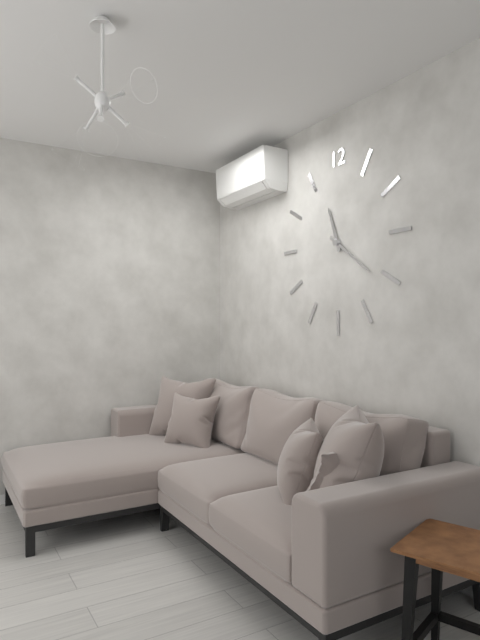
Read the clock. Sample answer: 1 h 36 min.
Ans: 11 h 21 min
